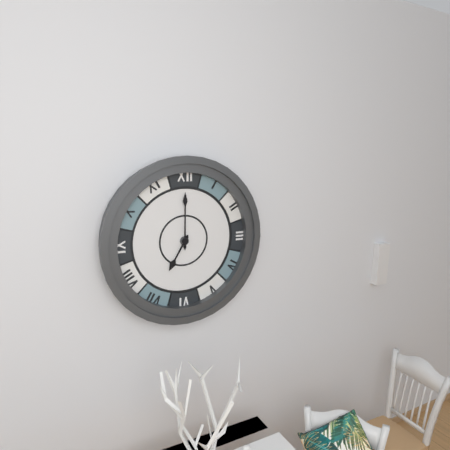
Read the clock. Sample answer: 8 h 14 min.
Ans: 7 h 00 min
